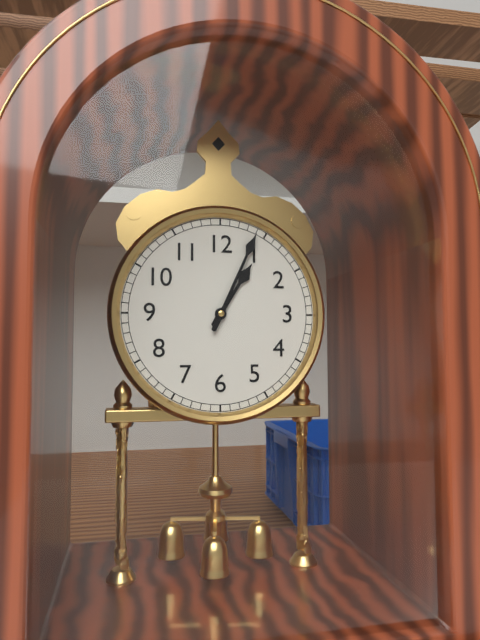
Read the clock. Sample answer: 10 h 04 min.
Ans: 1 h 04 min
